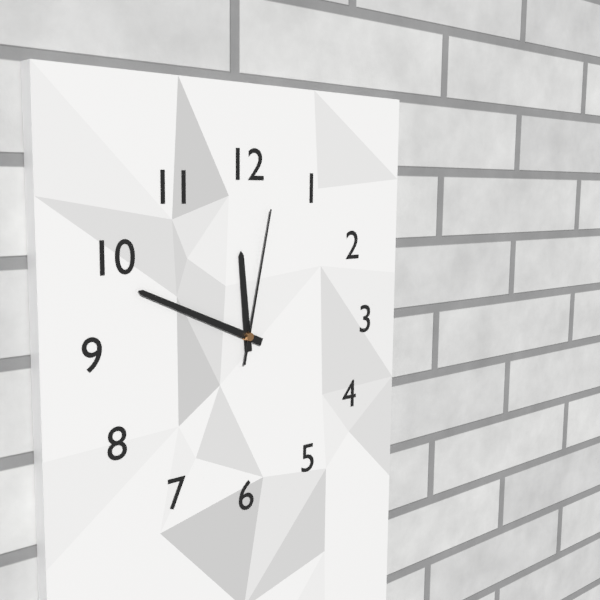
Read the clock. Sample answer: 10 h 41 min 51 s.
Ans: 11 h 49 min 02 s
